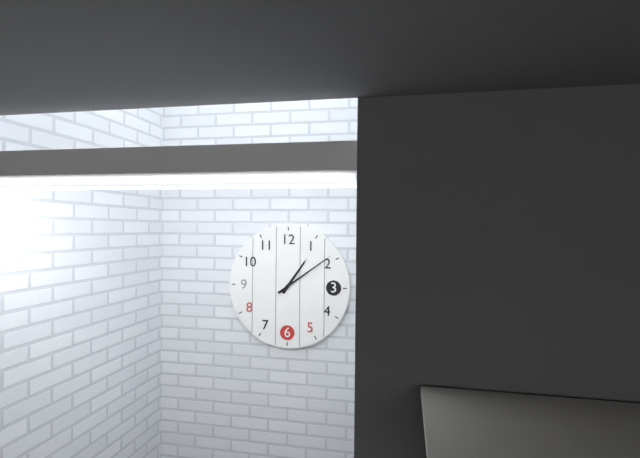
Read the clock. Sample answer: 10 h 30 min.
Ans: 1 h 09 min
